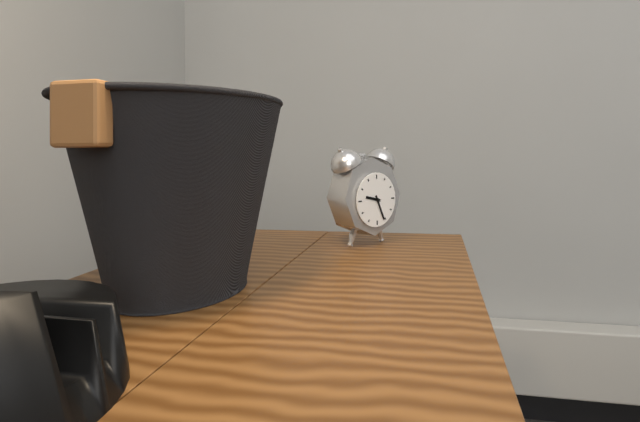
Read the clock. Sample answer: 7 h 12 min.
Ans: 9 h 26 min
